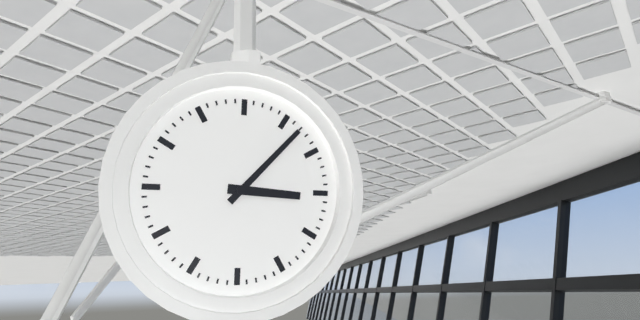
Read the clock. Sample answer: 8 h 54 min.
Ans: 3 h 07 min
